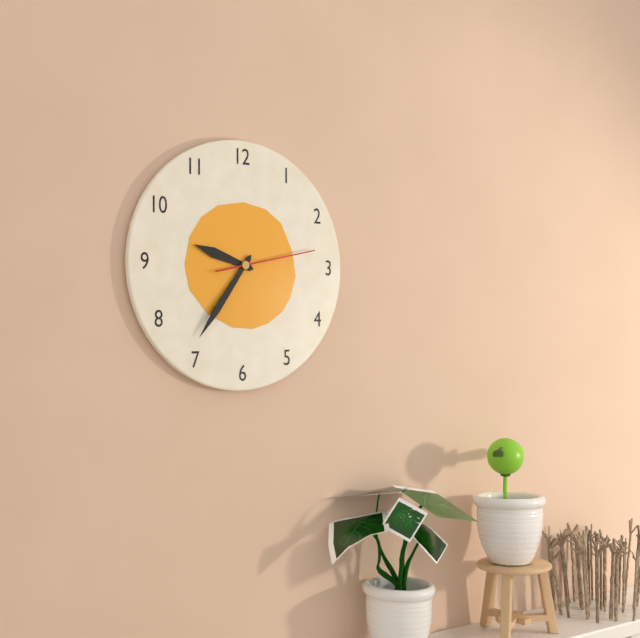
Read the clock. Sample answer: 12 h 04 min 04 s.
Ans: 9 h 36 min 13 s
